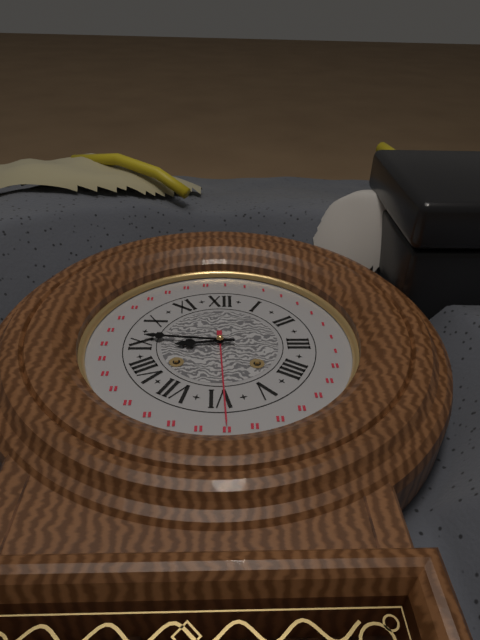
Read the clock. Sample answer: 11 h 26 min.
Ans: 8 h 46 min
